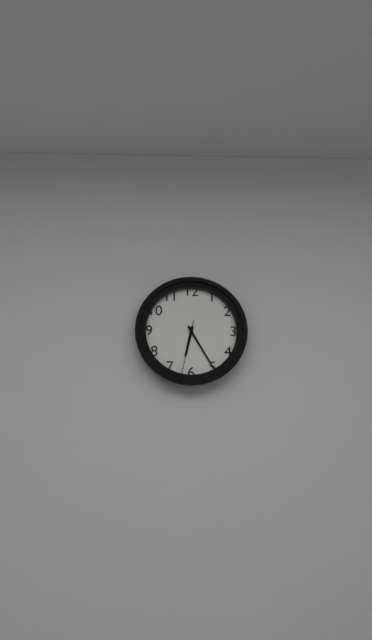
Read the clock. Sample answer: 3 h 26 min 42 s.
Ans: 6 h 25 min 32 s
